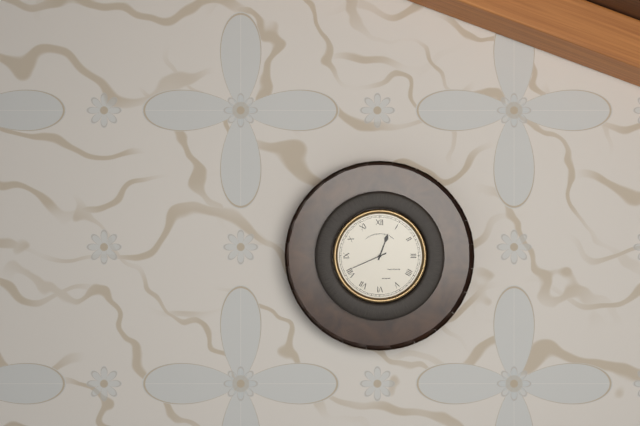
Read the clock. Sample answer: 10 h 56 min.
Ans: 12 h 41 min
